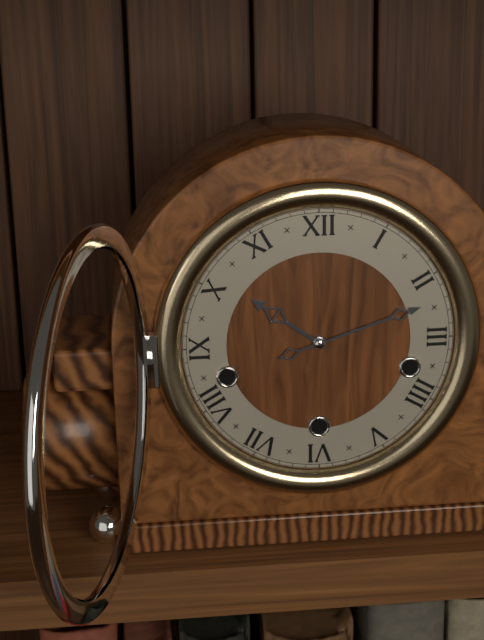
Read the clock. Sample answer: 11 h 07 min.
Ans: 10 h 12 min
